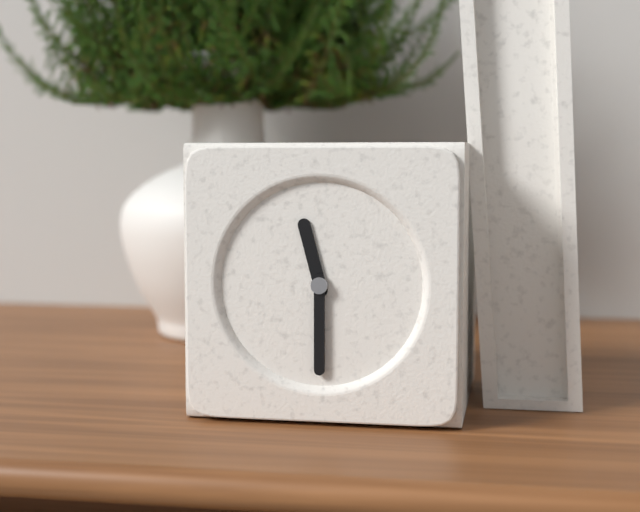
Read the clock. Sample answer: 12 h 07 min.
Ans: 11 h 30 min
